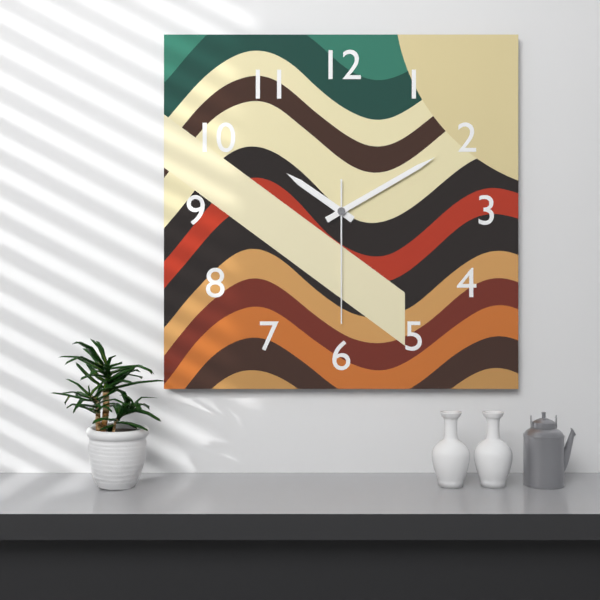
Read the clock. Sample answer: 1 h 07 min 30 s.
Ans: 10 h 10 min 30 s
